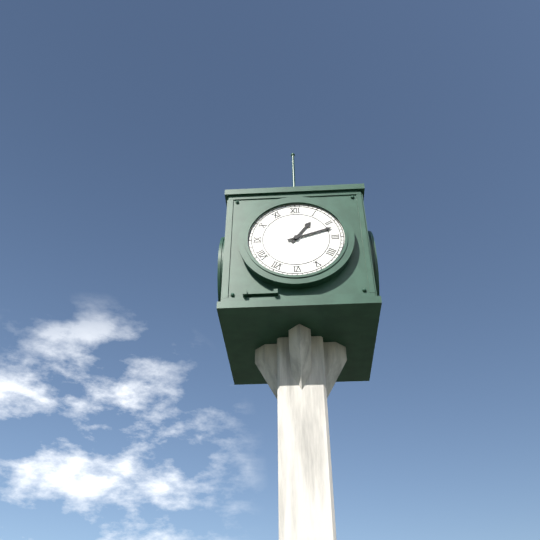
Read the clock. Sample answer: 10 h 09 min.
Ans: 1 h 12 min
